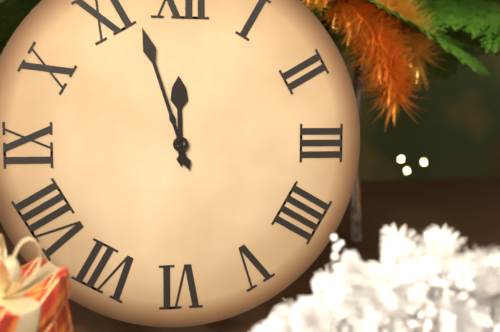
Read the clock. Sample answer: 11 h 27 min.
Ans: 11 h 57 min
